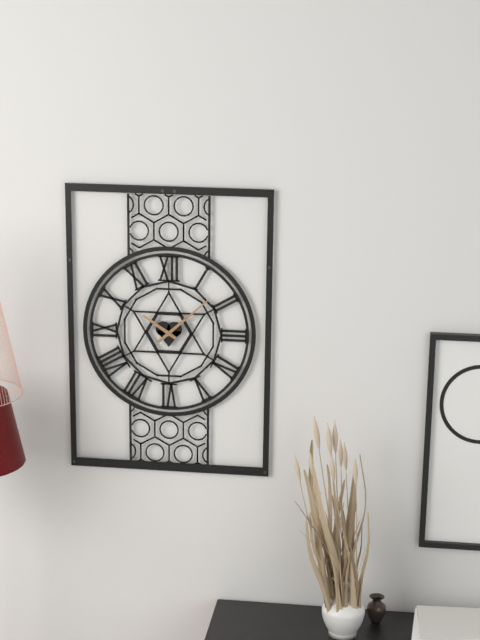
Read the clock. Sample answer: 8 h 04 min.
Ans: 10 h 08 min
